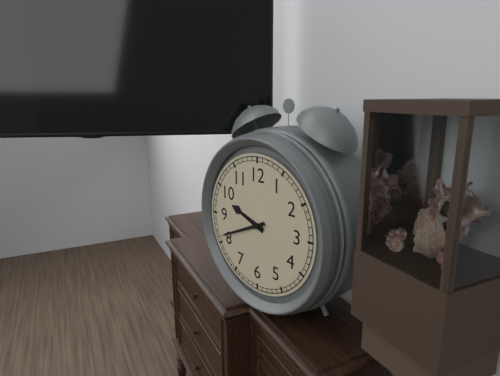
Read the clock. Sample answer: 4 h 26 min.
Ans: 9 h 41 min
